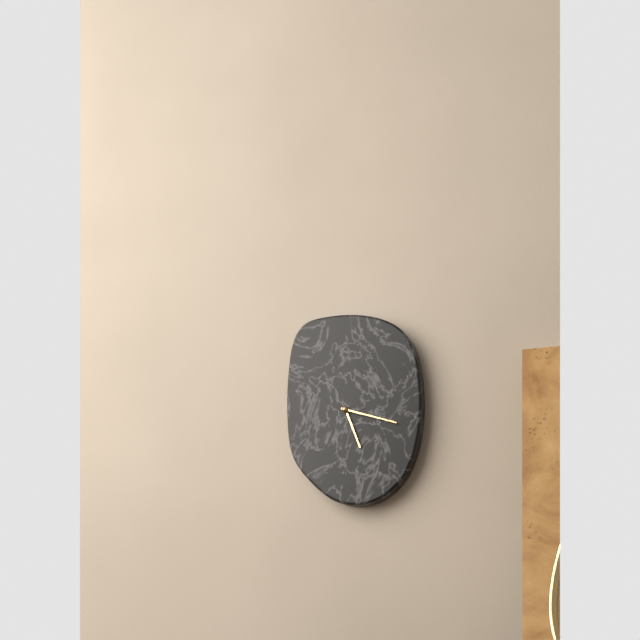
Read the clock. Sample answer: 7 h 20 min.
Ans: 5 h 18 min
